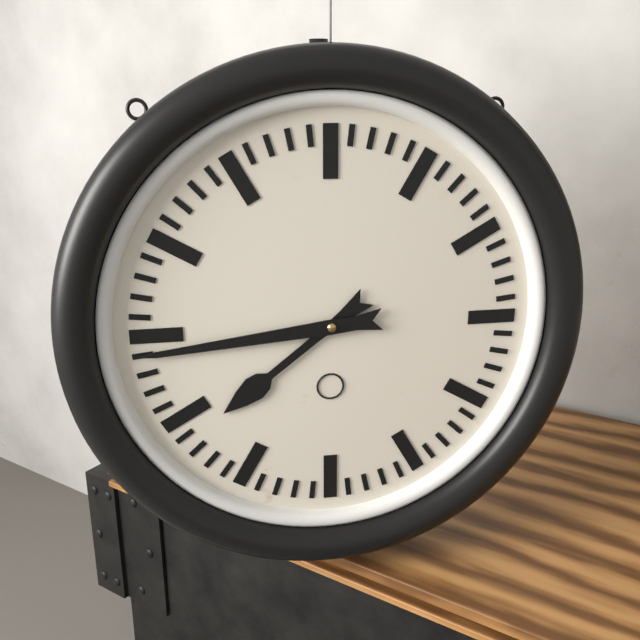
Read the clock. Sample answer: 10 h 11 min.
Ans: 7 h 44 min
